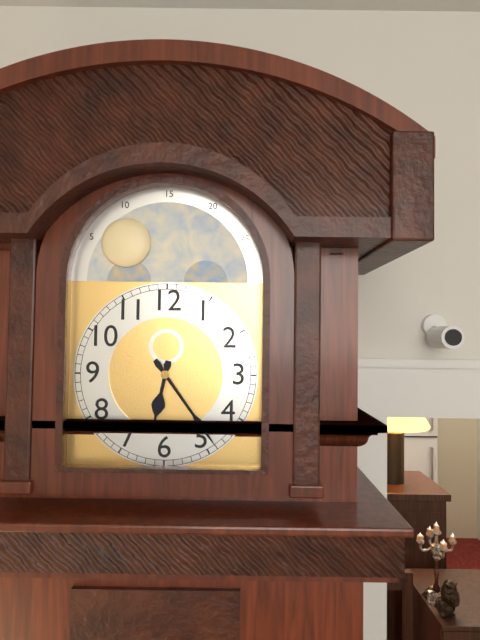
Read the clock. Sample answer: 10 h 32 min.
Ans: 6 h 24 min
